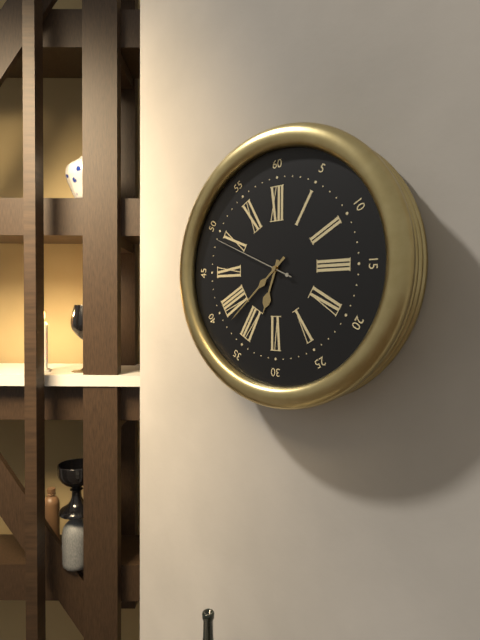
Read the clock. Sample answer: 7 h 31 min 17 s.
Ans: 6 h 38 min 49 s
